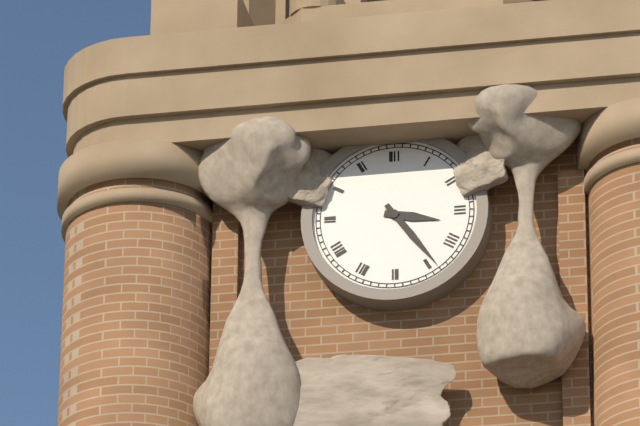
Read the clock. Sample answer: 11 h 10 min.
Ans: 3 h 24 min
